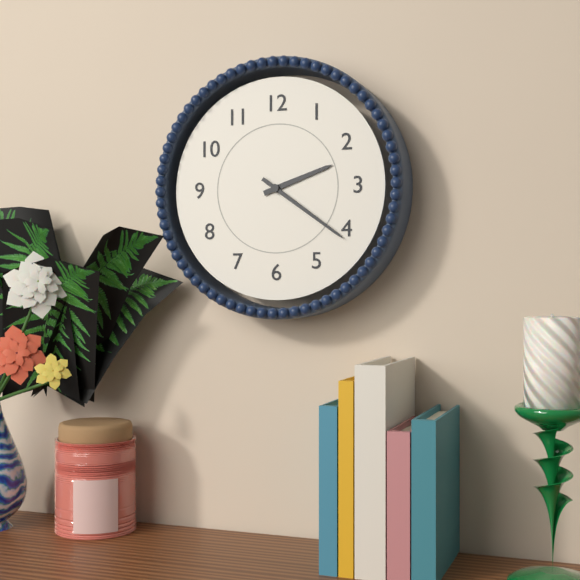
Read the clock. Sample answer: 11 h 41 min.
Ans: 2 h 21 min
